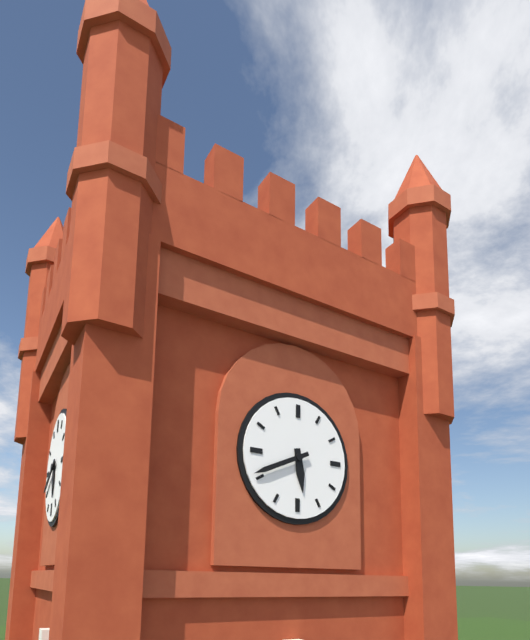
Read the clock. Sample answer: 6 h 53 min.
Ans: 5 h 41 min
